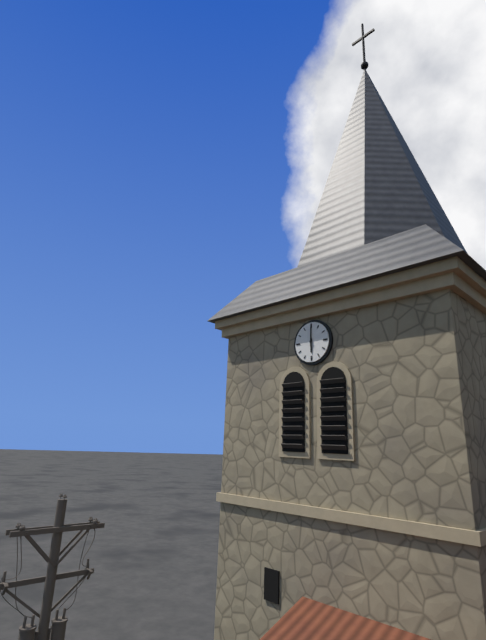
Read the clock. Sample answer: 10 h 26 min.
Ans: 6 h 00 min
